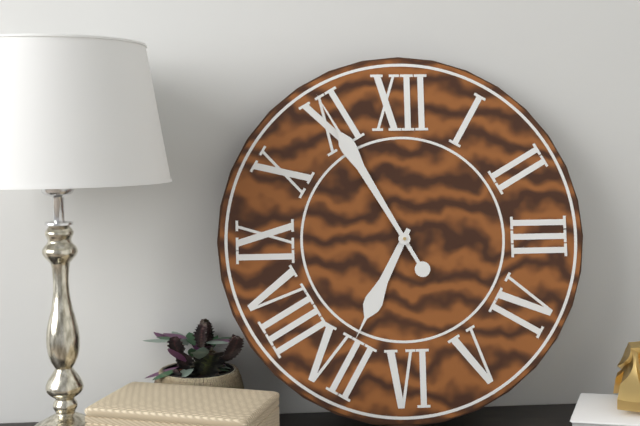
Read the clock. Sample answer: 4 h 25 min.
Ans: 6 h 55 min
